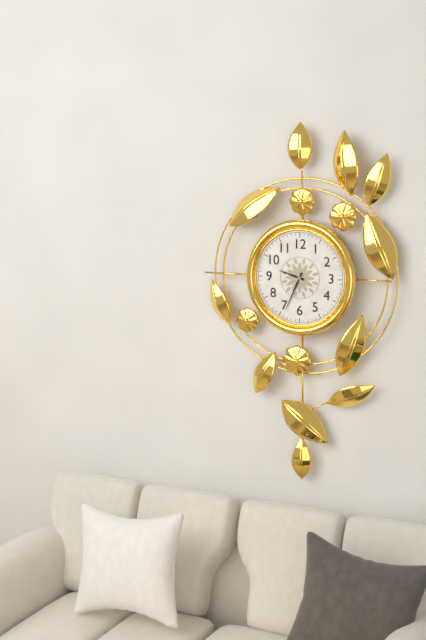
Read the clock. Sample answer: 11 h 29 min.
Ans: 9 h 34 min
